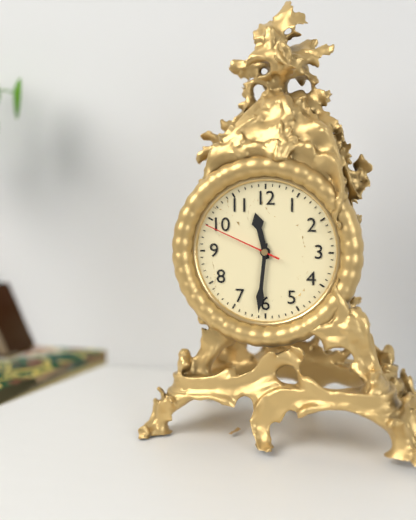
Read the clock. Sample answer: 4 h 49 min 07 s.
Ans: 11 h 31 min 49 s
